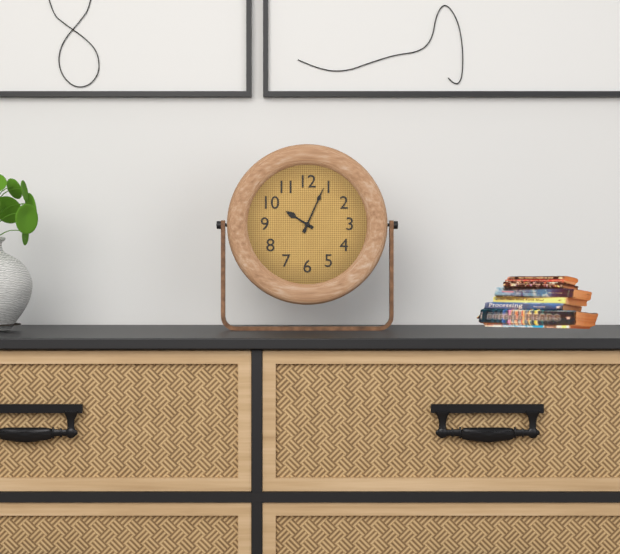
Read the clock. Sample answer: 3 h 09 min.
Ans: 10 h 04 min
